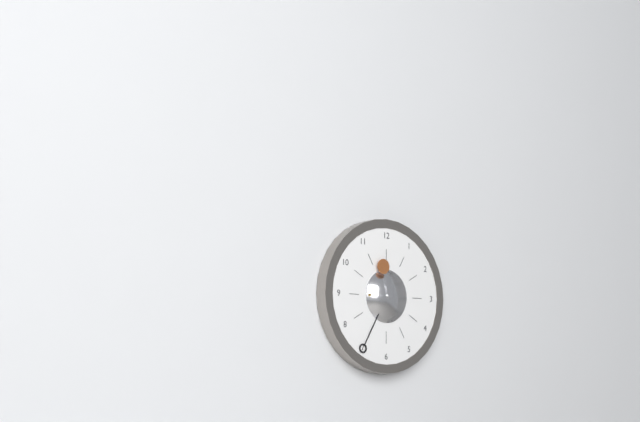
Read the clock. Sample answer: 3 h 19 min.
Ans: 11 h 35 min
